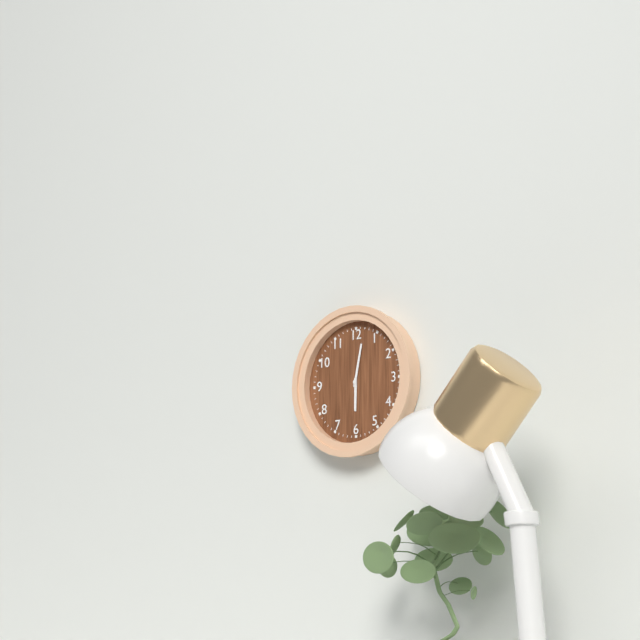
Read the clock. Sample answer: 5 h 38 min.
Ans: 6 h 02 min
